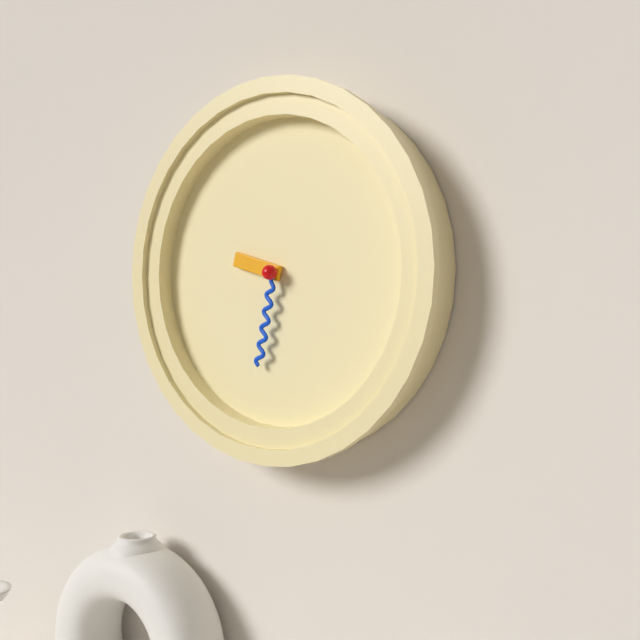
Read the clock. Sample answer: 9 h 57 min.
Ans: 9 h 32 min
